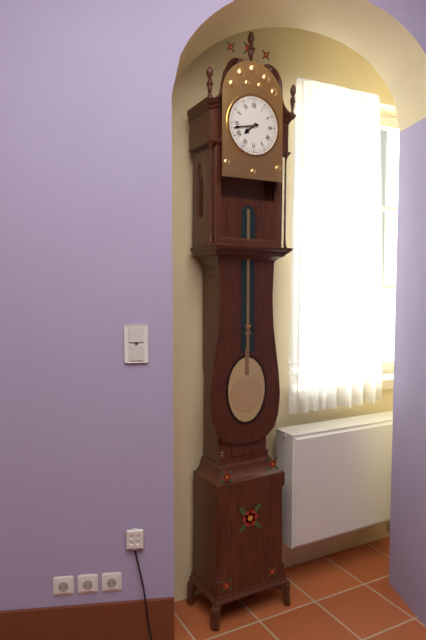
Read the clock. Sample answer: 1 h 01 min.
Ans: 7 h 43 min
